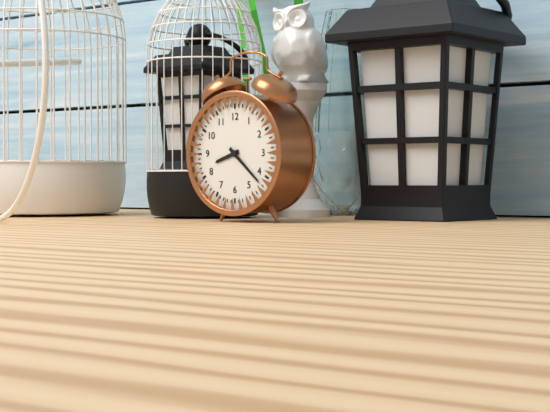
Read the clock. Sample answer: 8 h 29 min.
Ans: 8 h 22 min
